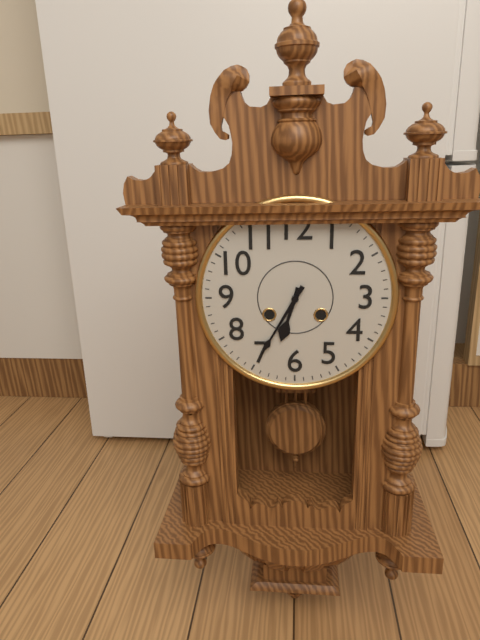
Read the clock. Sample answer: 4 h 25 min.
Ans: 6 h 35 min
